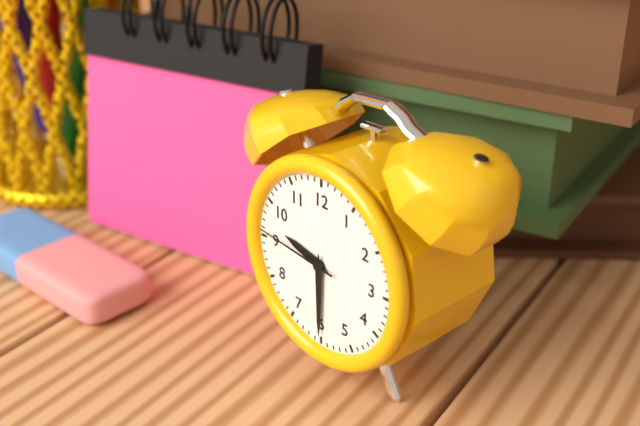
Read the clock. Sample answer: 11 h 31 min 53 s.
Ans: 9 h 30 min 46 s
